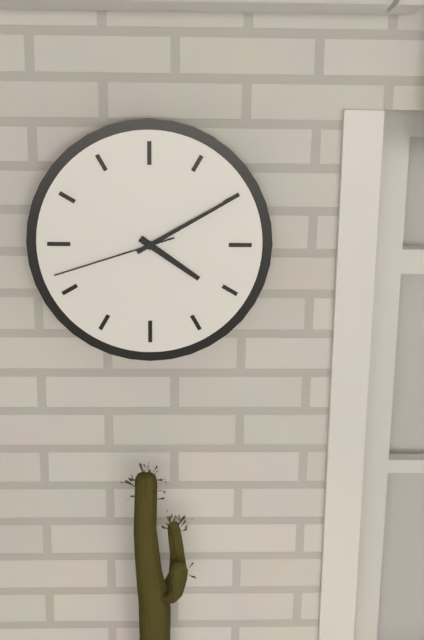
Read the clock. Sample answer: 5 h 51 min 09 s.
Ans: 4 h 10 min 42 s
